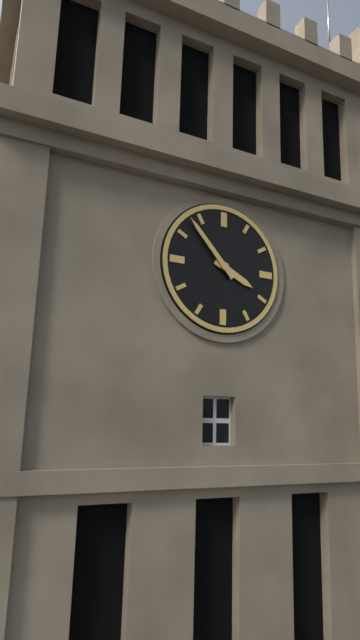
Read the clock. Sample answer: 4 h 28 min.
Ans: 3 h 53 min
